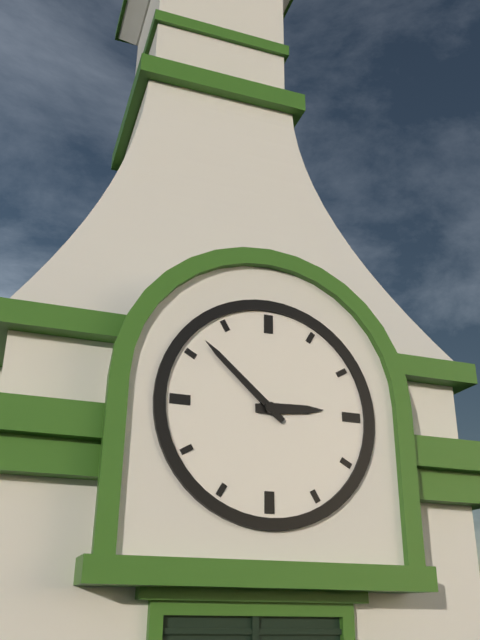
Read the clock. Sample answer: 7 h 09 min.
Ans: 2 h 52 min
